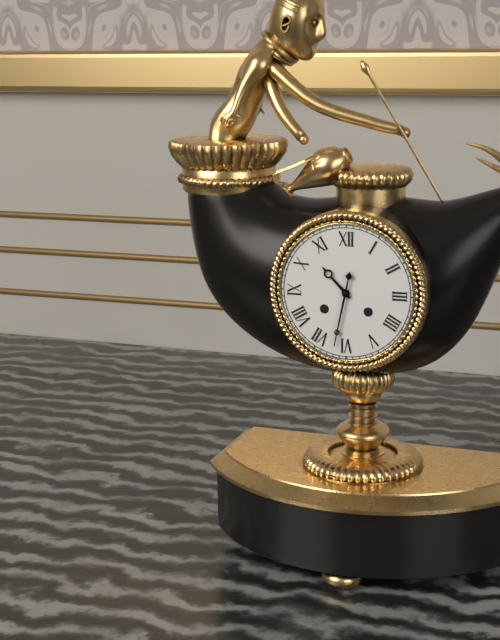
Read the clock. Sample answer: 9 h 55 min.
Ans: 10 h 32 min
